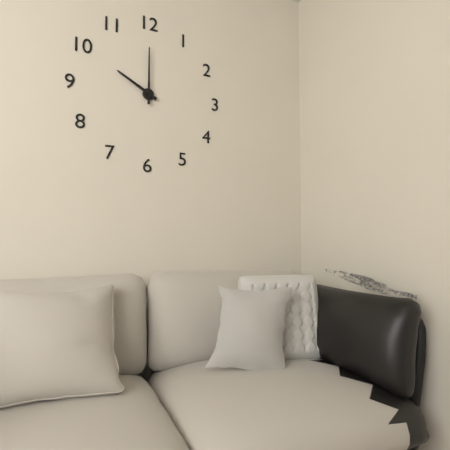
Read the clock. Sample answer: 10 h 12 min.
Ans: 10 h 00 min
